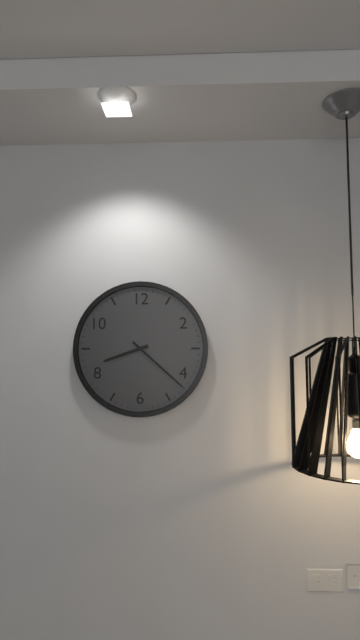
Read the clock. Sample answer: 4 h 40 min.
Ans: 8 h 22 min
